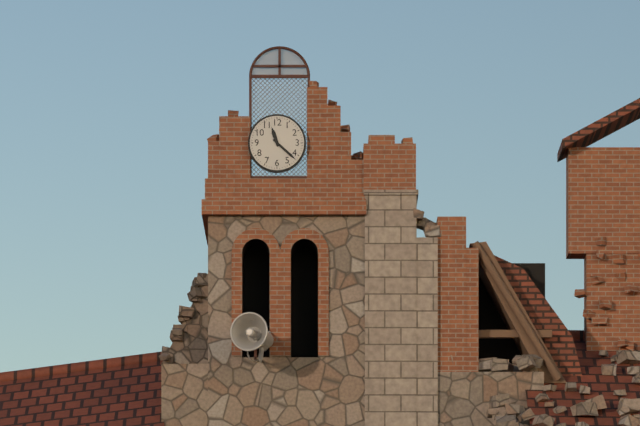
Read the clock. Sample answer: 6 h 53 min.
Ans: 11 h 22 min
